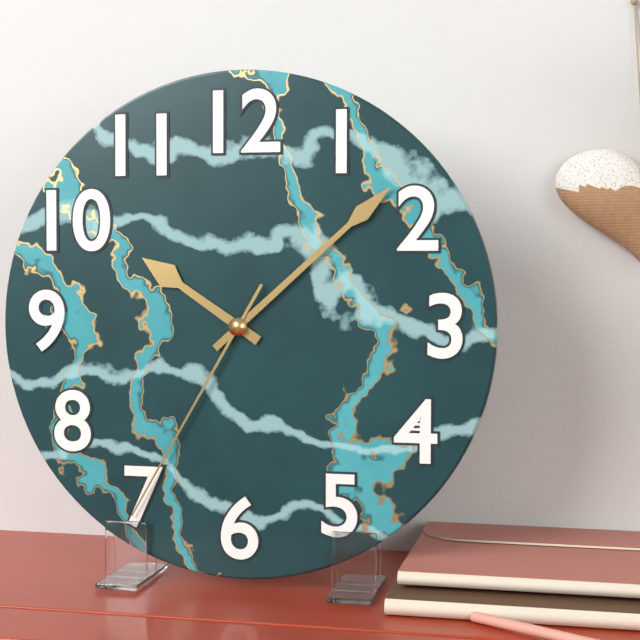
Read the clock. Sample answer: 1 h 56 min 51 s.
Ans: 10 h 08 min 35 s
